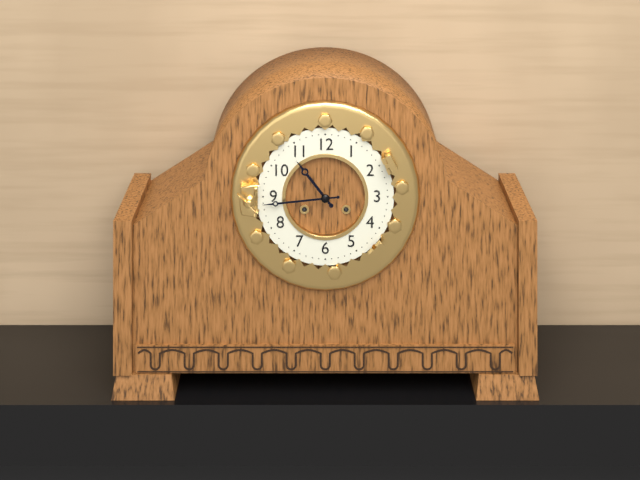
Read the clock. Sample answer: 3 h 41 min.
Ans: 10 h 44 min
